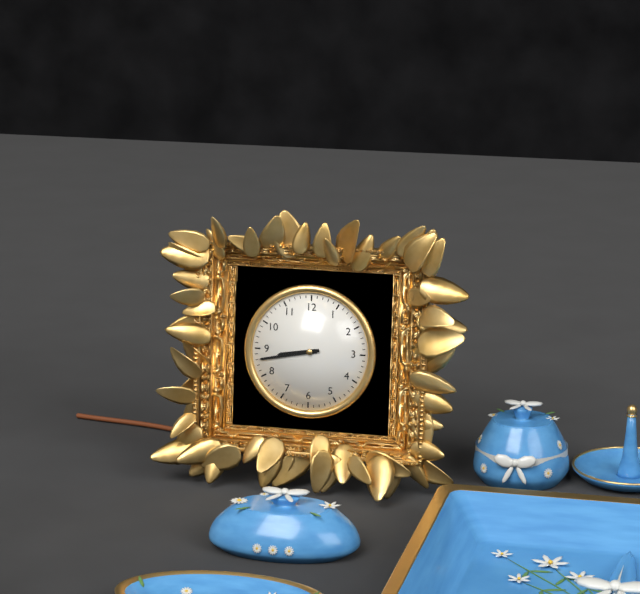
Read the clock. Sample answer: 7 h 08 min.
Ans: 8 h 43 min
